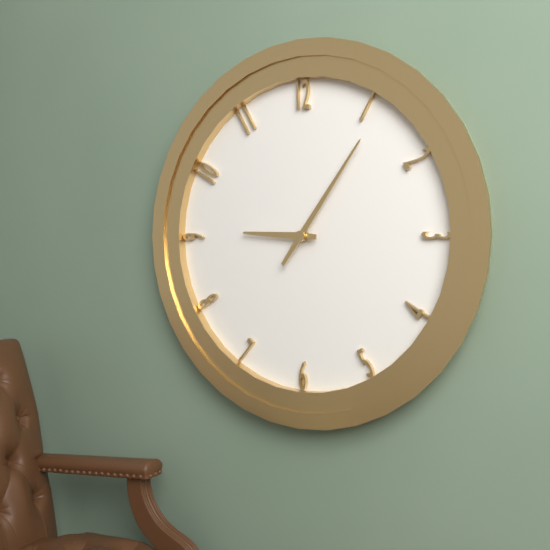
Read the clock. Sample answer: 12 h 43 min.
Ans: 9 h 06 min
